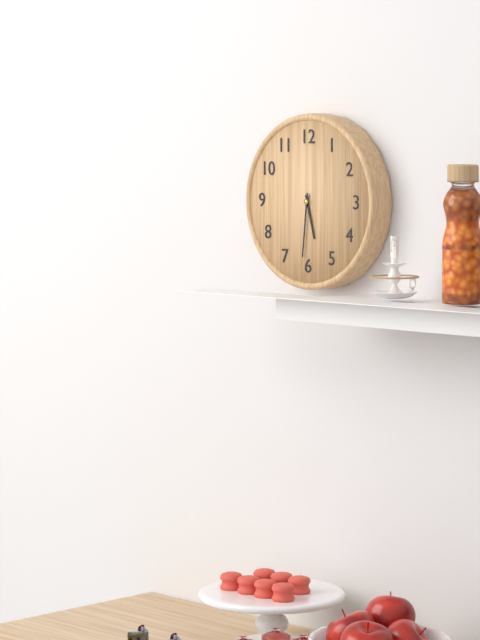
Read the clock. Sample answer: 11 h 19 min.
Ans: 5 h 31 min
